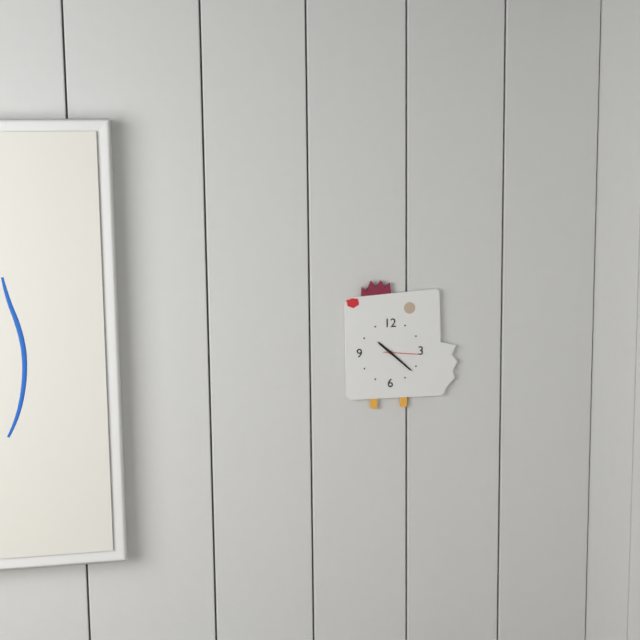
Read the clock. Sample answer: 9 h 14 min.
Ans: 10 h 22 min
